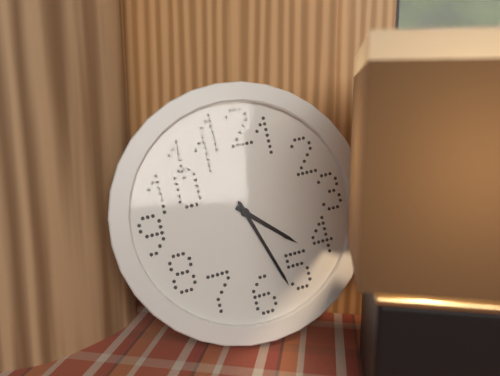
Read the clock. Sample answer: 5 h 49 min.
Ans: 4 h 27 min
